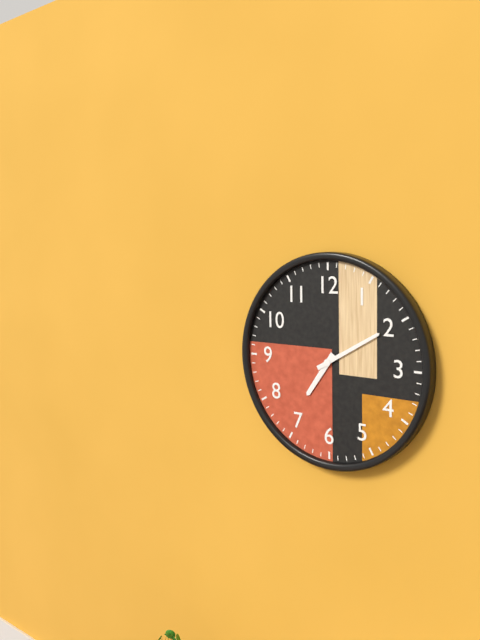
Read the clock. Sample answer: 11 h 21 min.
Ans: 7 h 10 min
